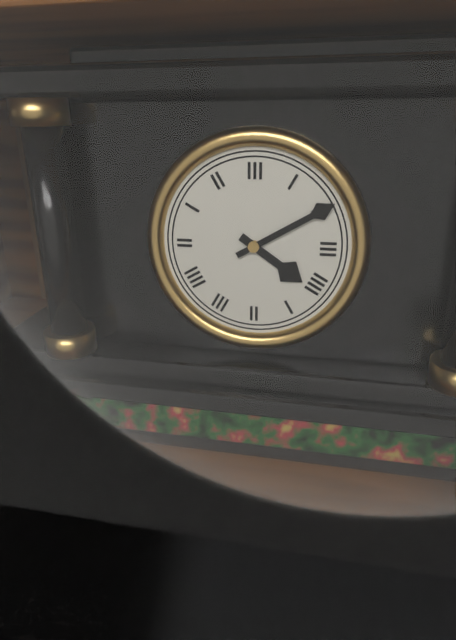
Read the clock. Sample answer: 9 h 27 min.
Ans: 4 h 10 min
